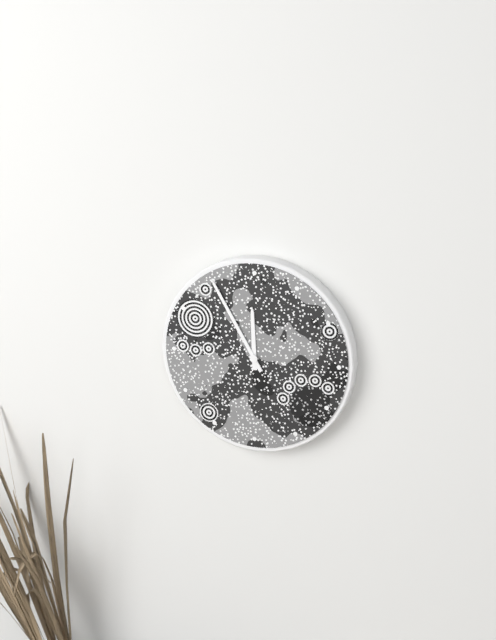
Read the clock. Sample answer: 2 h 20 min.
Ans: 11 h 55 min
